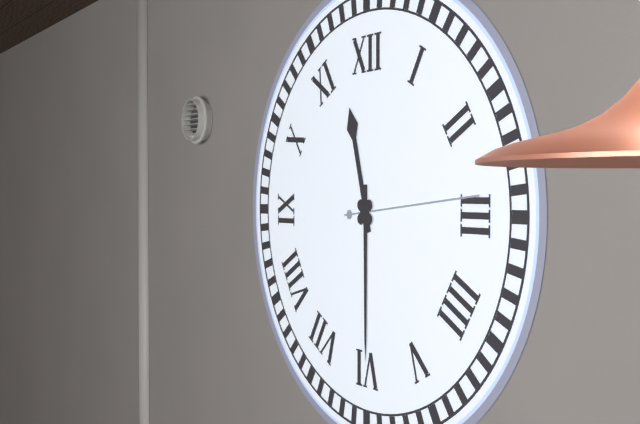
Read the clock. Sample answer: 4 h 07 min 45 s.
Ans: 11 h 30 min 14 s
